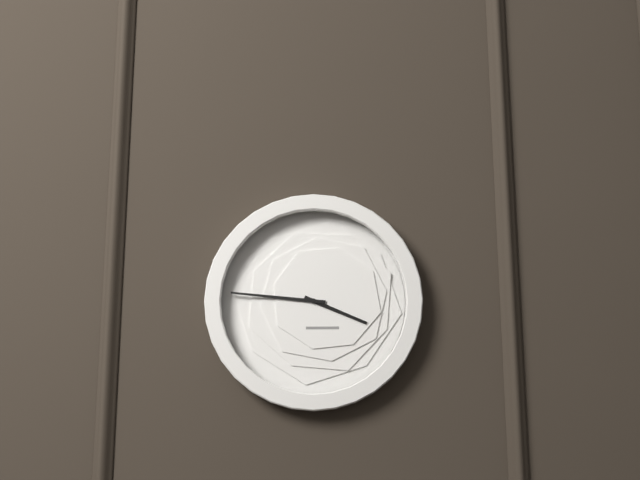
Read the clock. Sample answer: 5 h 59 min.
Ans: 3 h 46 min
